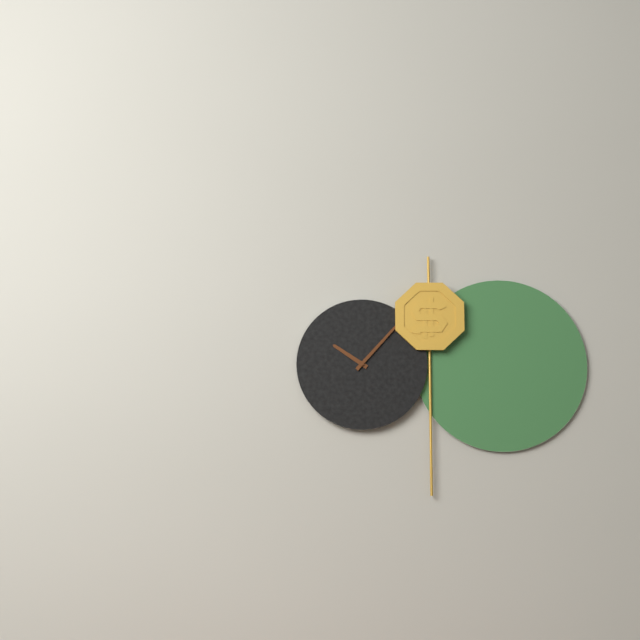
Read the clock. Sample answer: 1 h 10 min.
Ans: 10 h 07 min
